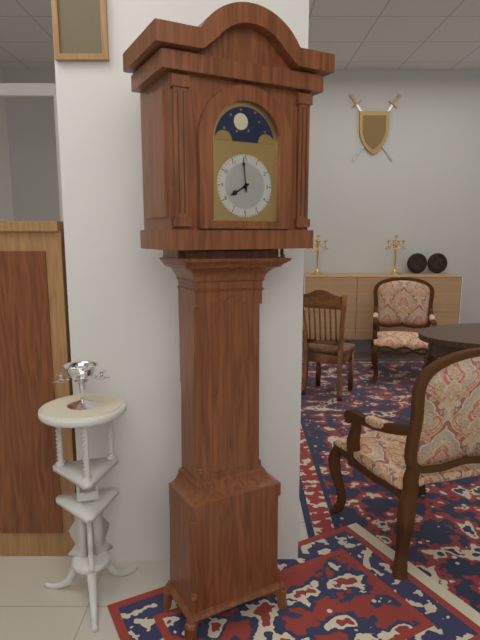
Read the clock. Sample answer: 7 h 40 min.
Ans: 7 h 59 min
